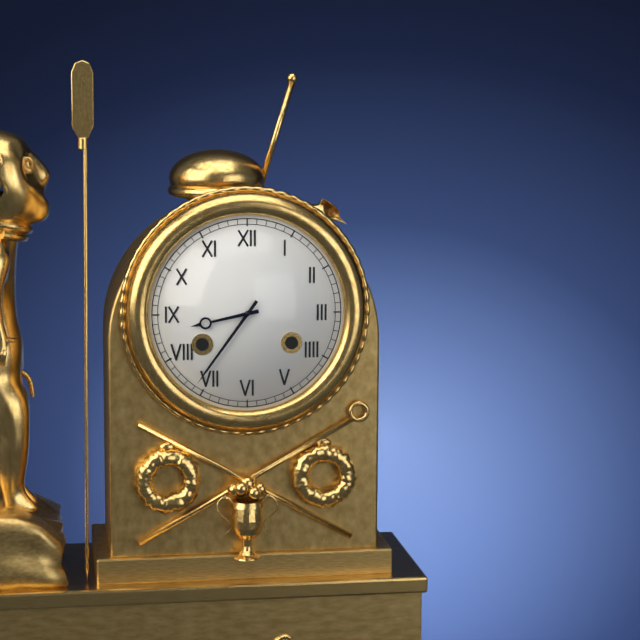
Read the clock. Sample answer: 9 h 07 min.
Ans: 8 h 36 min
